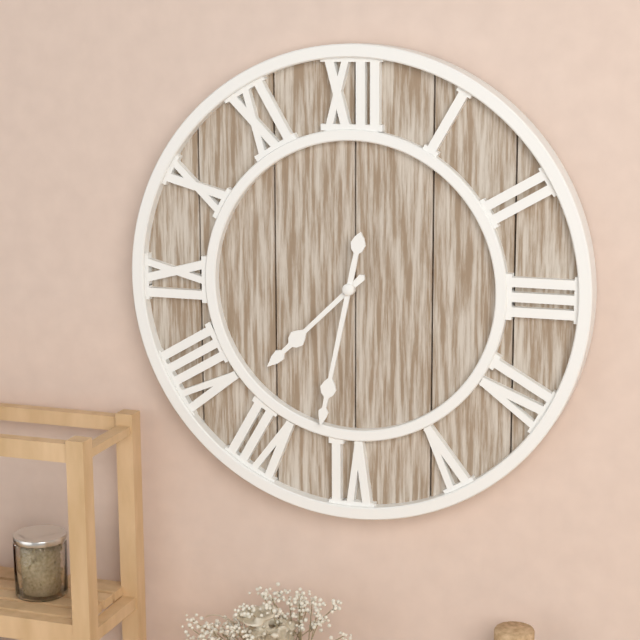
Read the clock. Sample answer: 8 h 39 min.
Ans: 7 h 32 min
